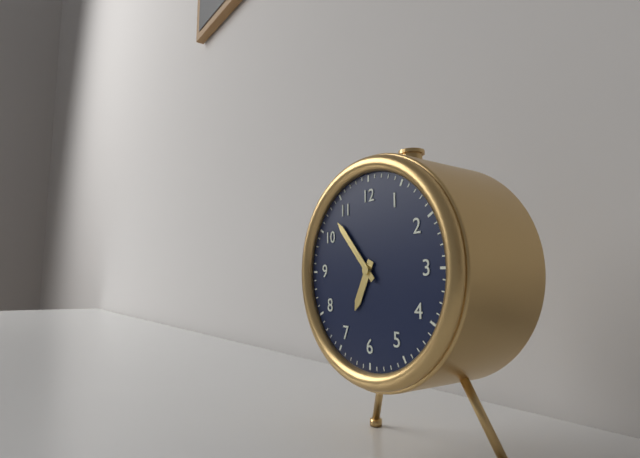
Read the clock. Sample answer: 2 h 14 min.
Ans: 6 h 53 min
